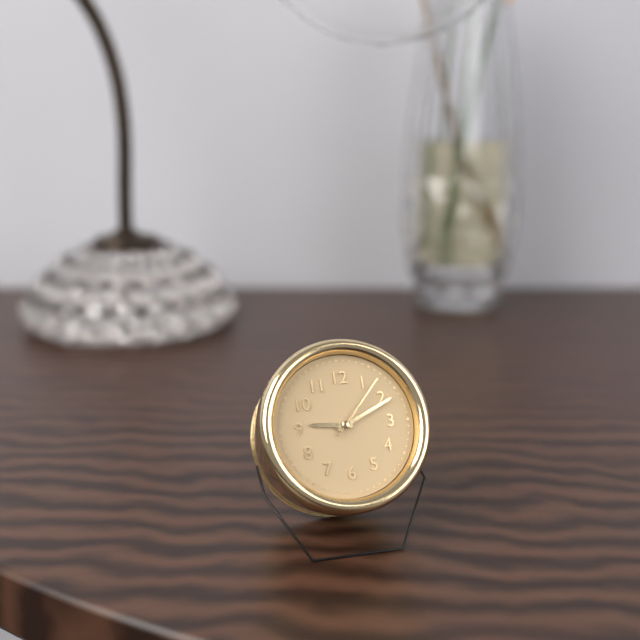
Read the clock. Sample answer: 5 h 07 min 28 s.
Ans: 9 h 11 min 07 s
